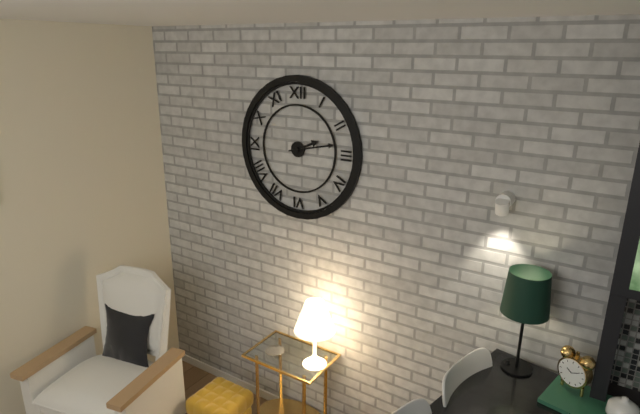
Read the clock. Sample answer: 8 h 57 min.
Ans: 2 h 13 min
